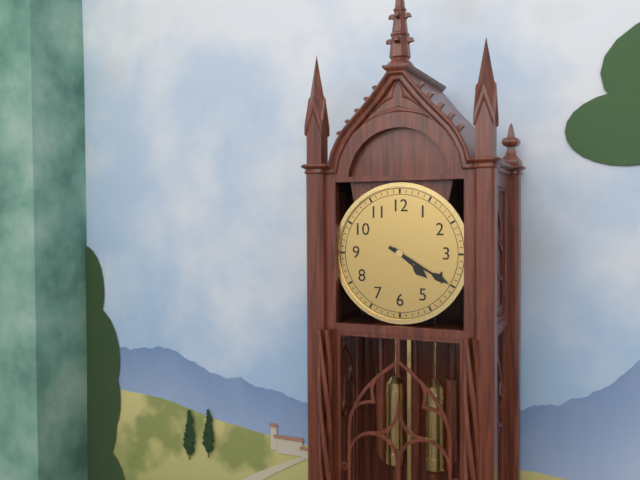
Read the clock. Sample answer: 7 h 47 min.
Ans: 4 h 20 min
